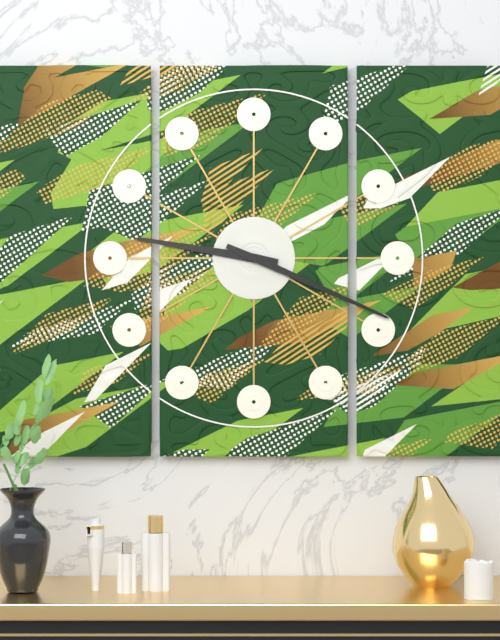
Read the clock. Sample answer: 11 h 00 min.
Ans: 9 h 19 min
